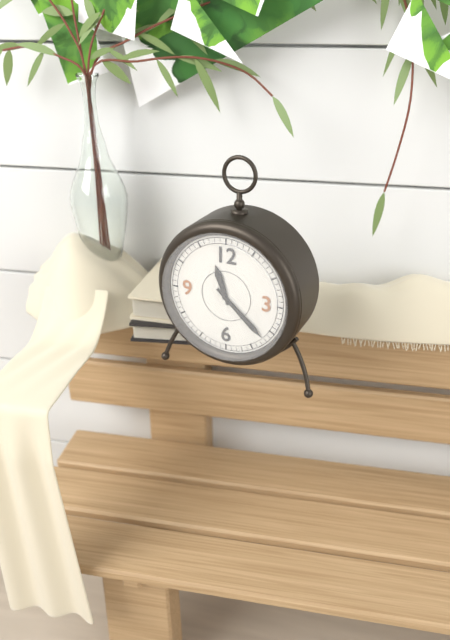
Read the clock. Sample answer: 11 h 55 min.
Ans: 11 h 22 min
